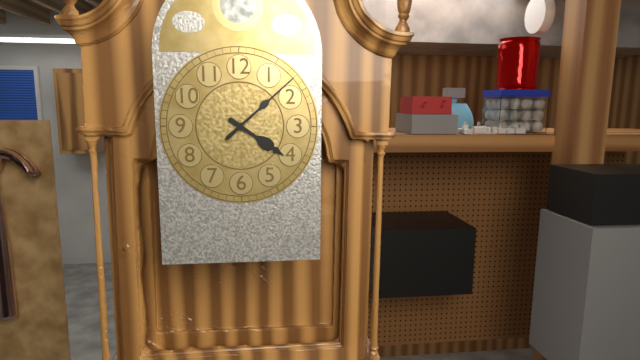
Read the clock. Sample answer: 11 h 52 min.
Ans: 4 h 08 min
